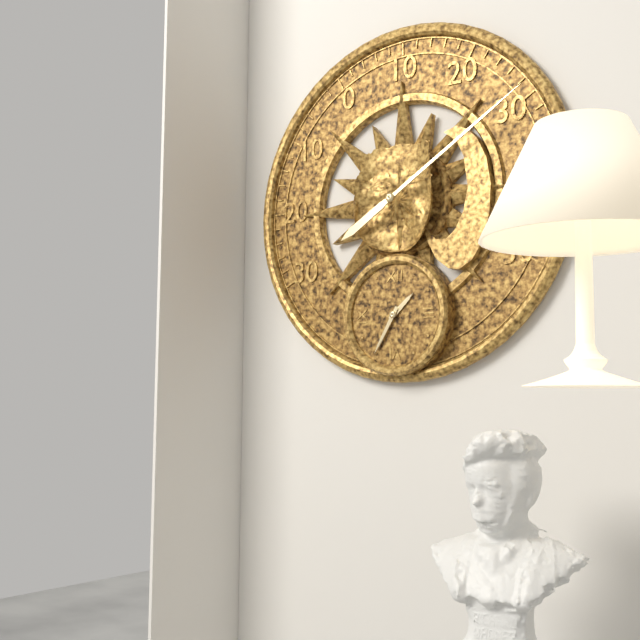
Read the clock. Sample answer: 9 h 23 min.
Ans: 1 h 35 min
